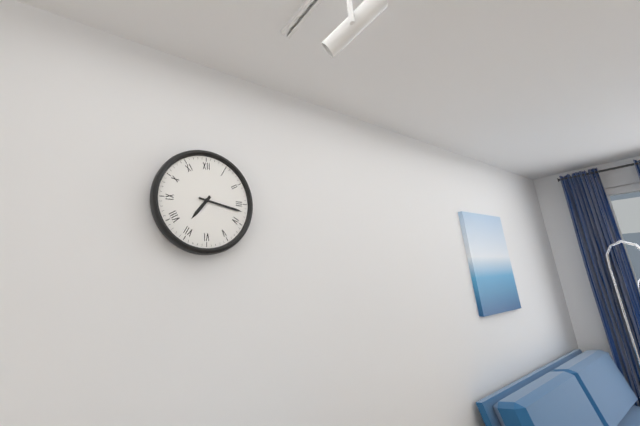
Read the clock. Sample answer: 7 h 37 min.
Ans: 7 h 17 min
